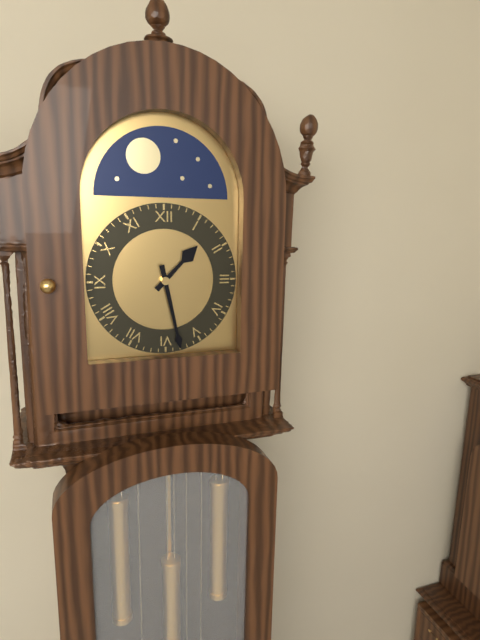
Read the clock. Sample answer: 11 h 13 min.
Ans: 1 h 28 min
